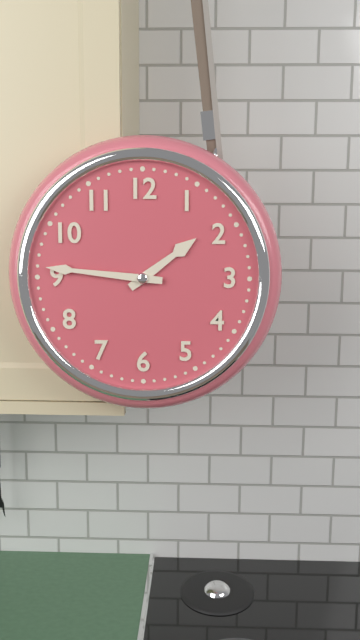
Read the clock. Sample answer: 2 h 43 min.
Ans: 1 h 46 min
